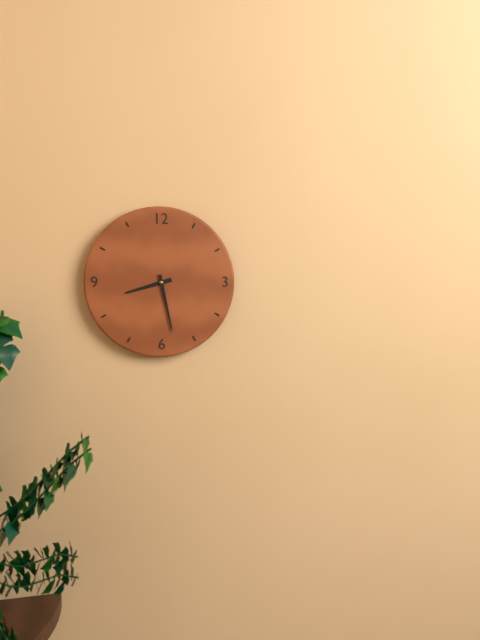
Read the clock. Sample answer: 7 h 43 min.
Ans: 8 h 28 min
